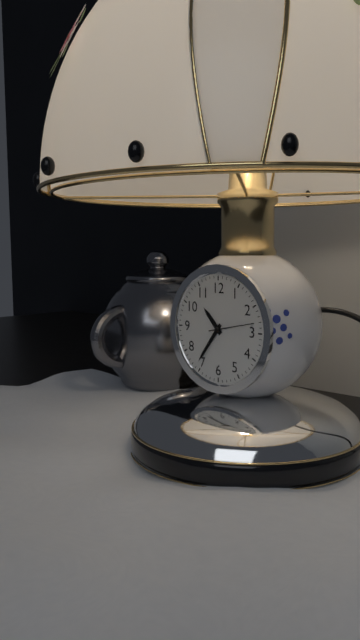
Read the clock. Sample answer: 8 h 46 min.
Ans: 10 h 36 min
